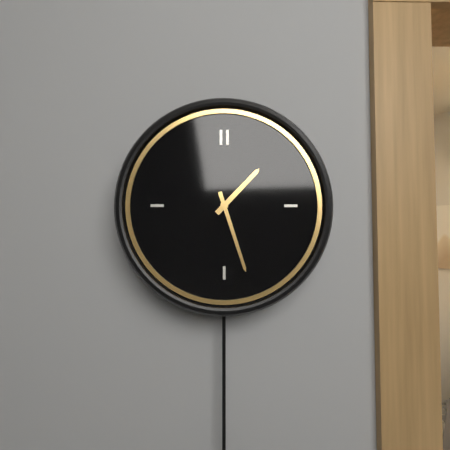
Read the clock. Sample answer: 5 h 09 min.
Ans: 1 h 27 min
